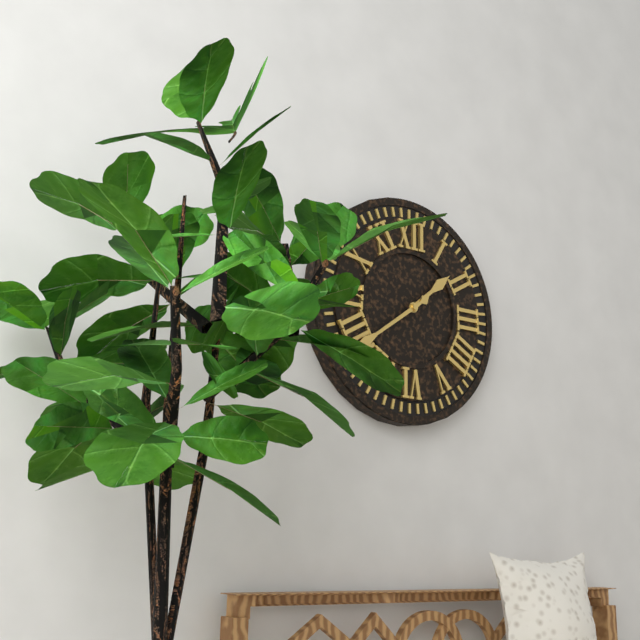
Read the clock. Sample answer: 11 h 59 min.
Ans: 1 h 39 min
